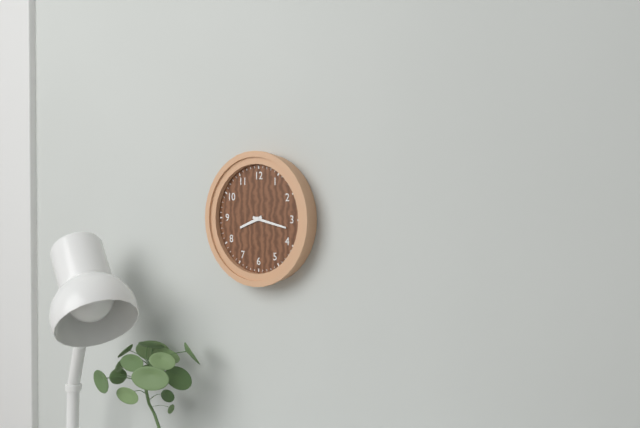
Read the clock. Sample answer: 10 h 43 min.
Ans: 8 h 17 min
